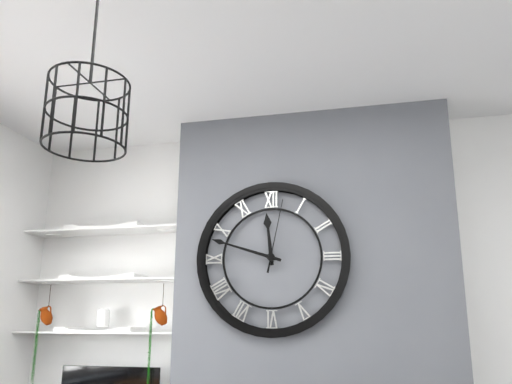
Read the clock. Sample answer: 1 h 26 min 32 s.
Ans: 11 h 48 min 02 s
